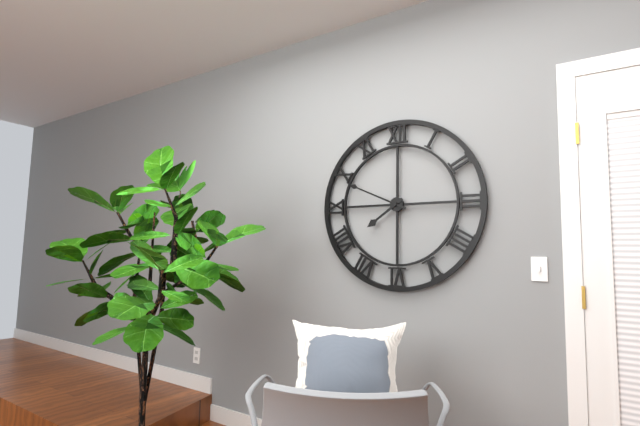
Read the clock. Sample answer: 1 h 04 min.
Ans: 7 h 49 min
